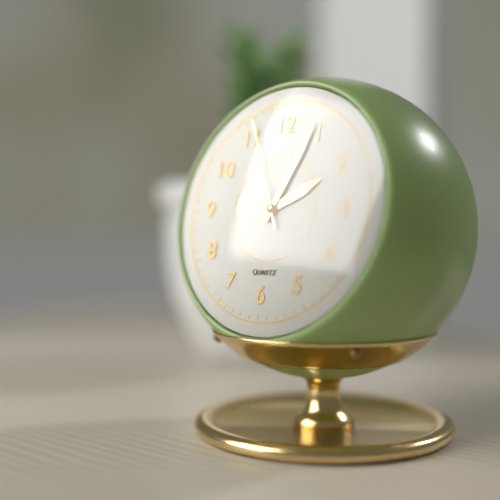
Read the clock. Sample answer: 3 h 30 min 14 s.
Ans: 2 h 04 min 56 s
